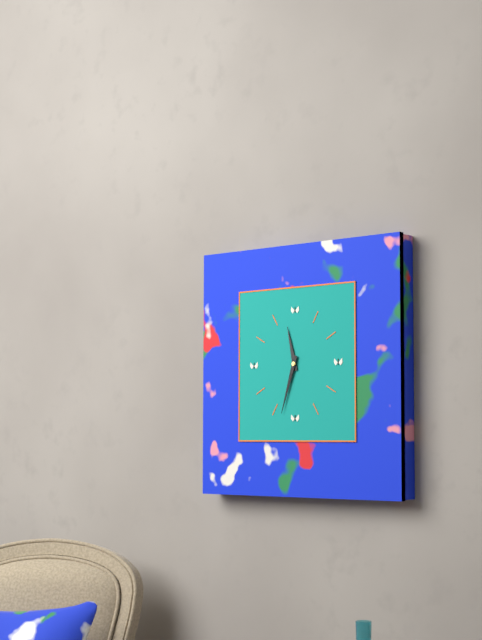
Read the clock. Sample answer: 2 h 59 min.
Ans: 11 h 33 min
